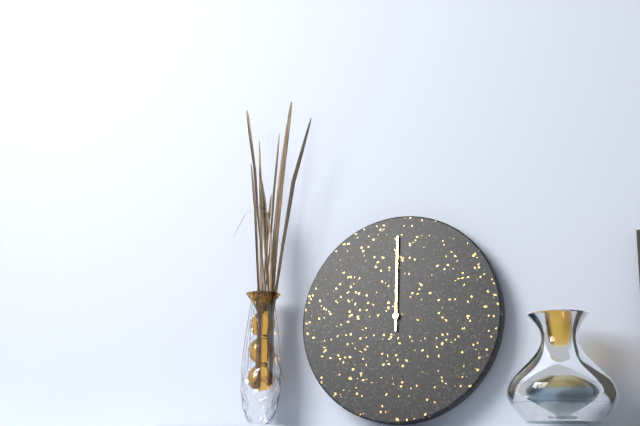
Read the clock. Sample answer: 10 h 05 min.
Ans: 12 h 00 min
